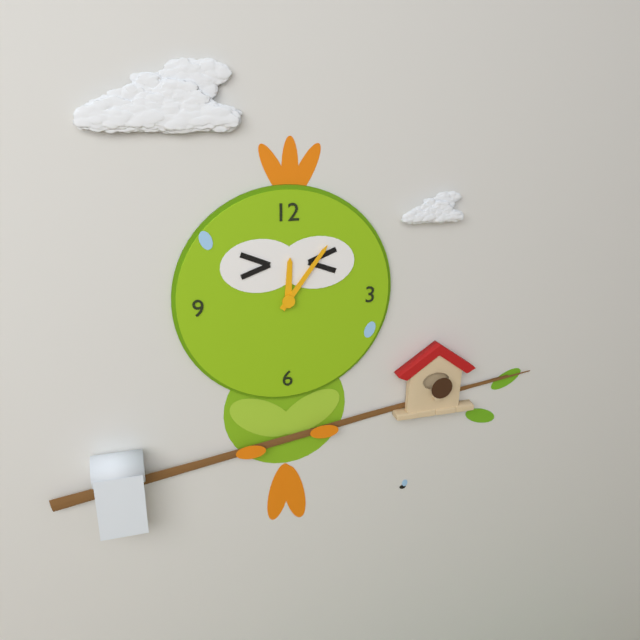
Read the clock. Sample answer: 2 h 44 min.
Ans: 12 h 06 min
